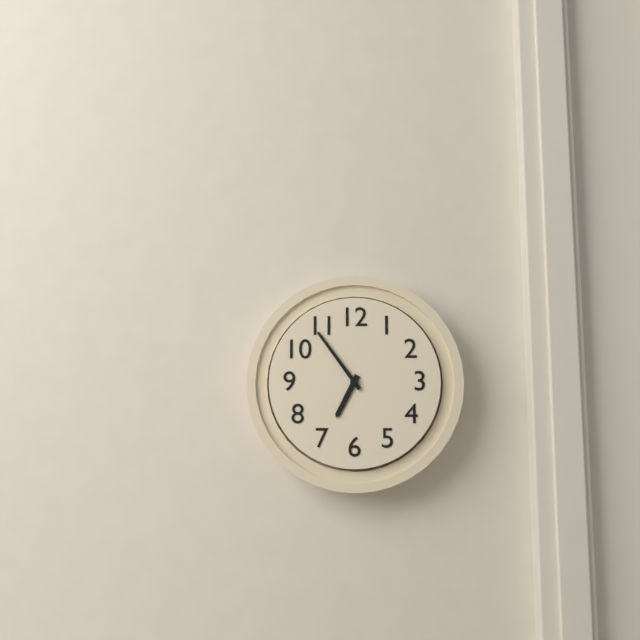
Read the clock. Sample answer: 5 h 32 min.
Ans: 6 h 54 min
